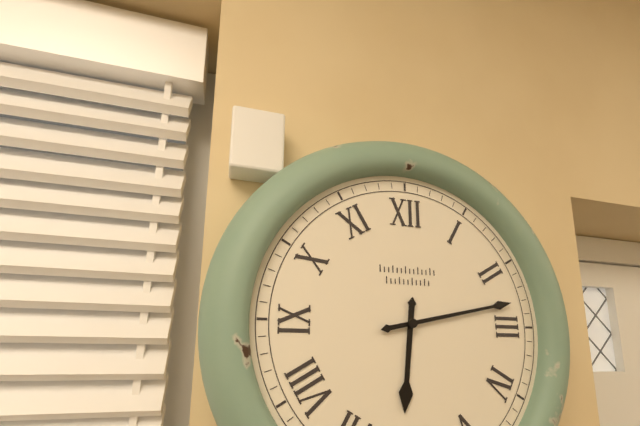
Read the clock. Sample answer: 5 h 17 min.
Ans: 6 h 13 min
